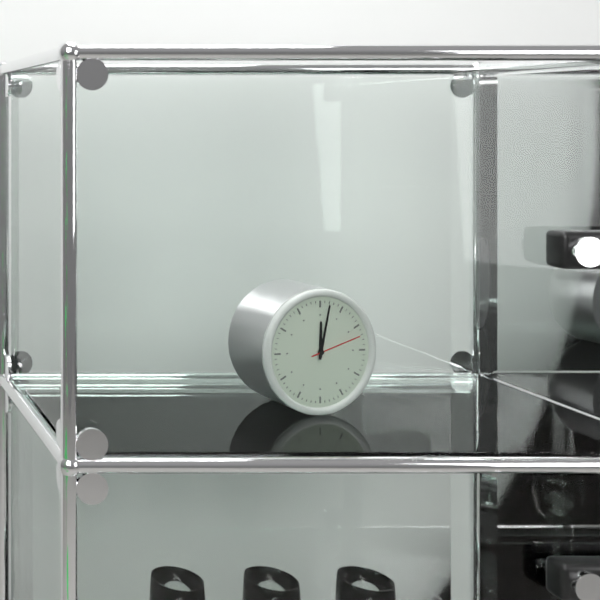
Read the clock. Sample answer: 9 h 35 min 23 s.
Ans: 12 h 02 min 12 s
